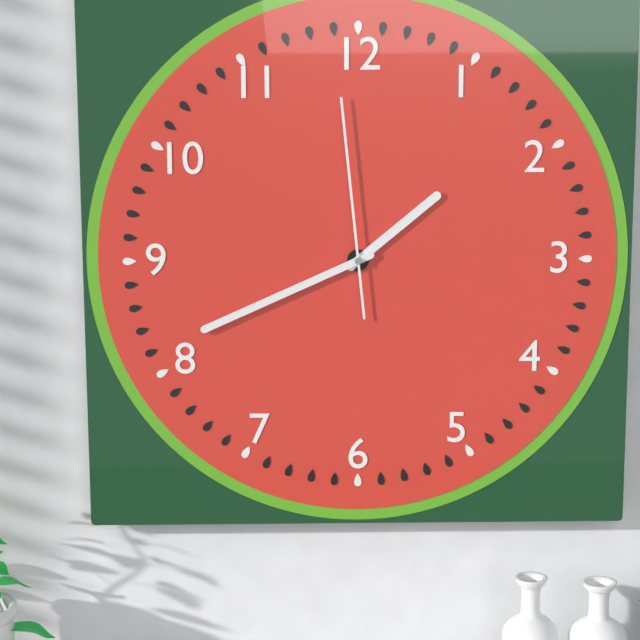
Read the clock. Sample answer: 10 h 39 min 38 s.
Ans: 1 h 41 min 59 s
